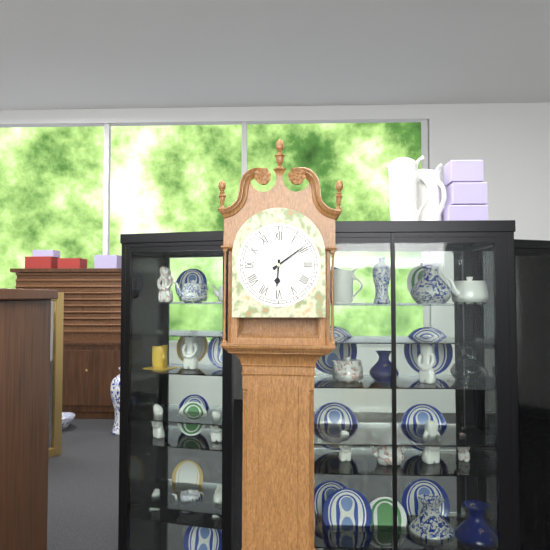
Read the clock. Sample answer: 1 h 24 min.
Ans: 6 h 09 min
